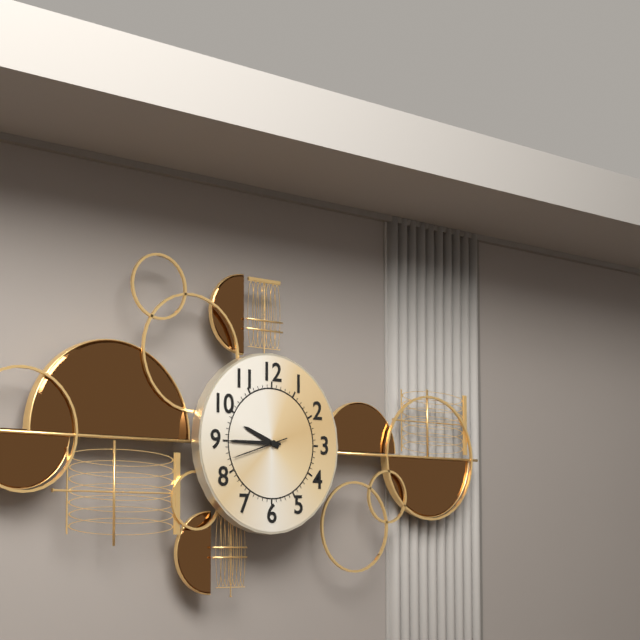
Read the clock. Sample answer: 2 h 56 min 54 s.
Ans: 9 h 45 min 42 s
